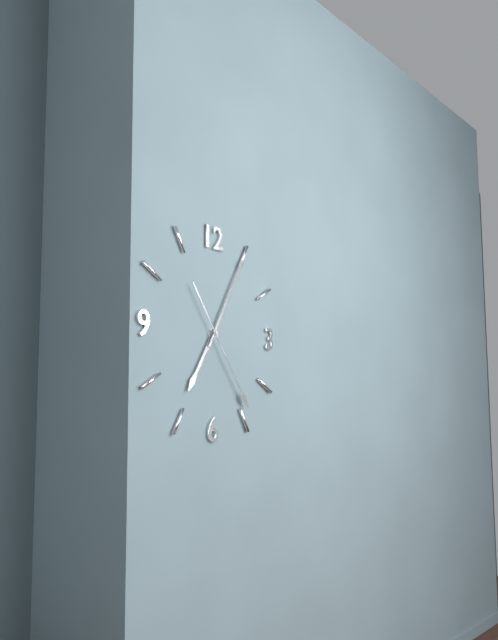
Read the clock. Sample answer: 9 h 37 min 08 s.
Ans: 7 h 05 min 24 s
